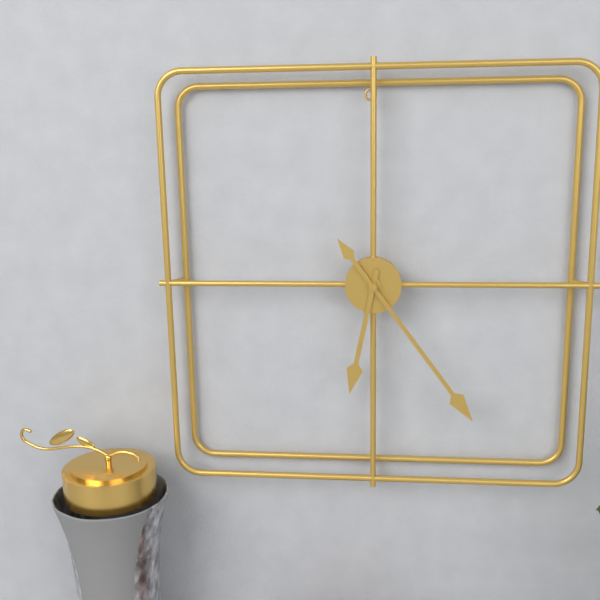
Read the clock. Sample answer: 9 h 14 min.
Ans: 6 h 24 min
